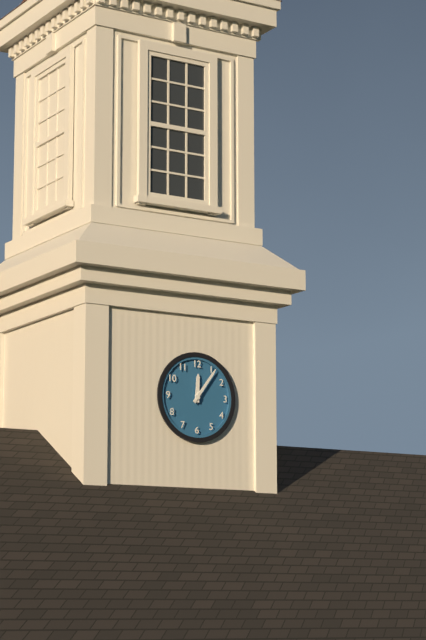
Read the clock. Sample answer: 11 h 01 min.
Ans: 12 h 06 min
